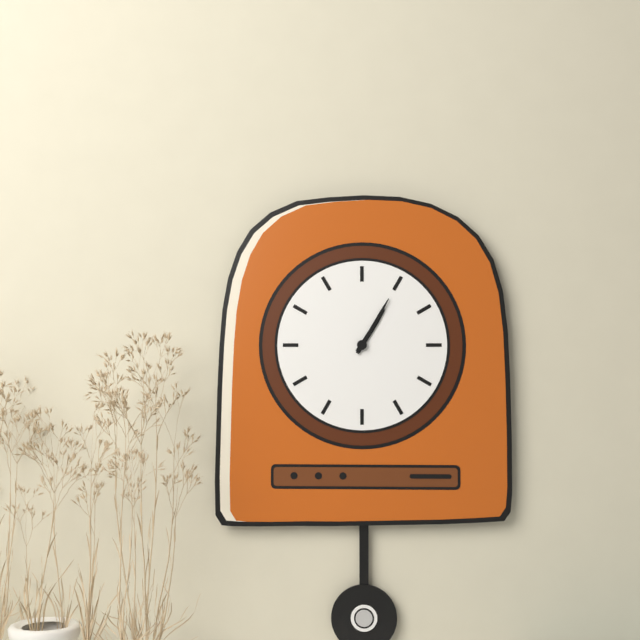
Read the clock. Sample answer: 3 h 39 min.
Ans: 1 h 05 min
